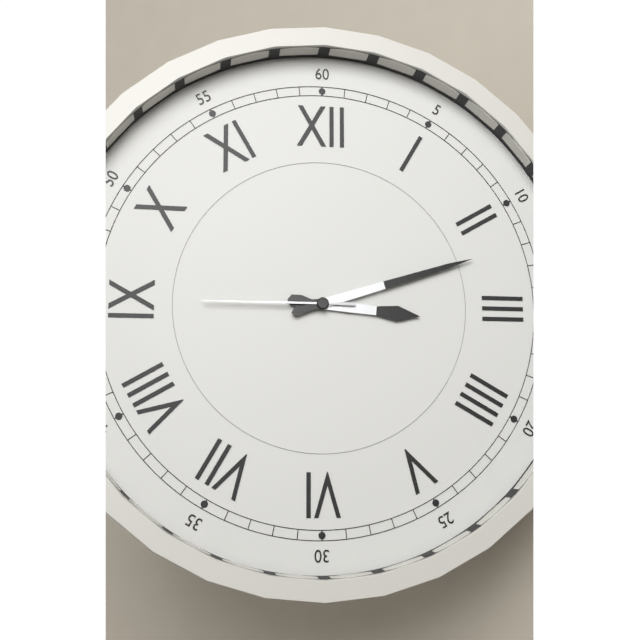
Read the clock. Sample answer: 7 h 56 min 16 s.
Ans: 3 h 12 min 45 s
